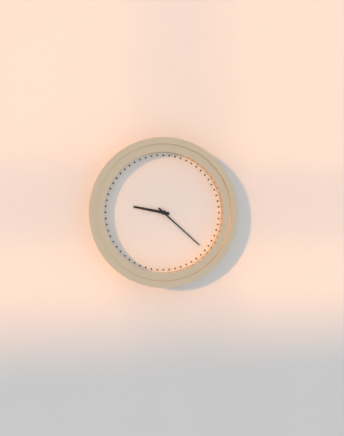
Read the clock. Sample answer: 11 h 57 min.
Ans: 9 h 22 min
